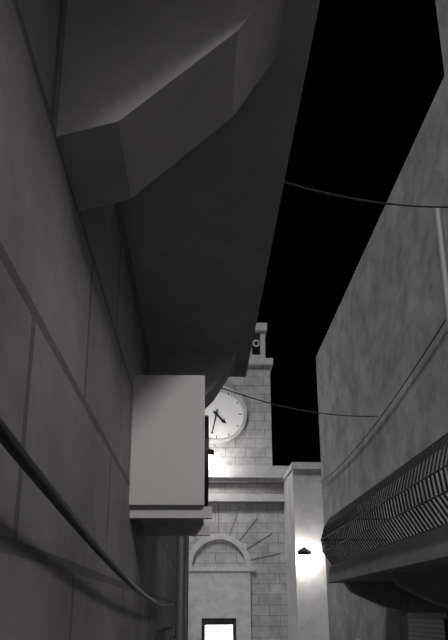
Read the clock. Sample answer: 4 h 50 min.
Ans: 4 h 32 min
